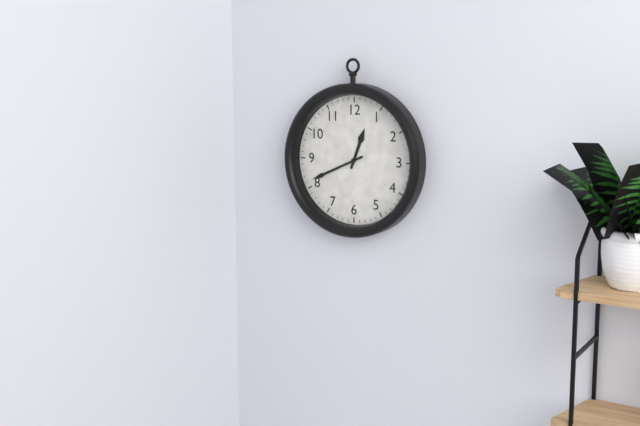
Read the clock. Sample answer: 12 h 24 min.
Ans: 12 h 41 min
